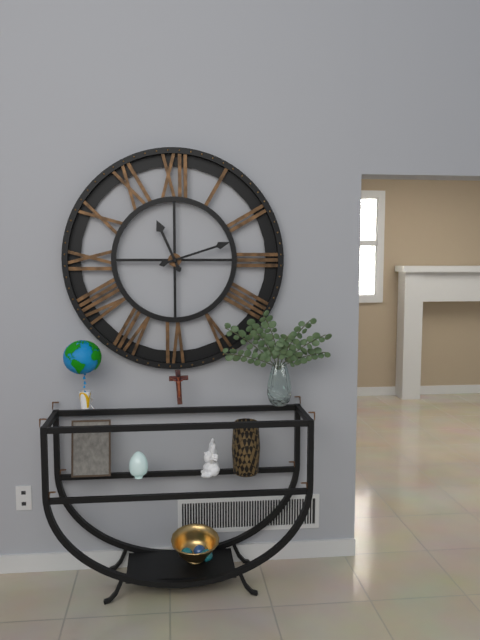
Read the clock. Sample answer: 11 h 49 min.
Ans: 11 h 12 min
